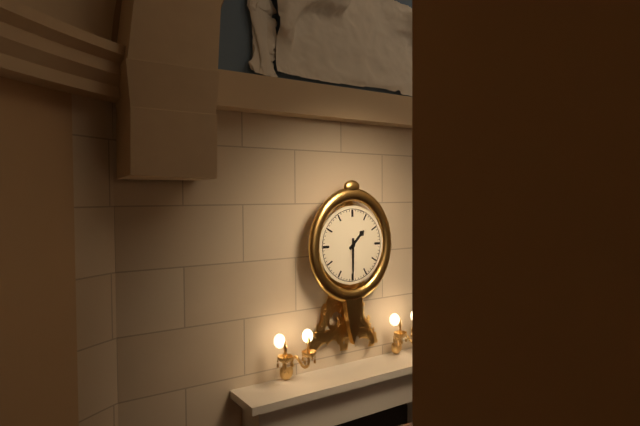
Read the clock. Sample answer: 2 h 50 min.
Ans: 1 h 30 min
